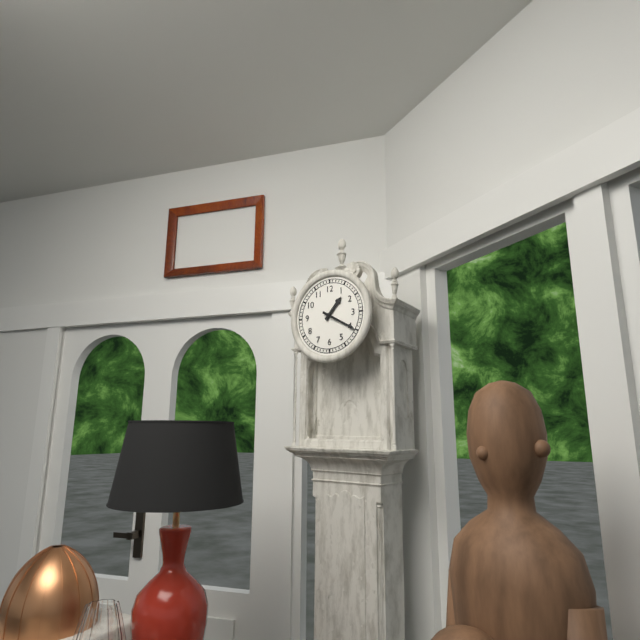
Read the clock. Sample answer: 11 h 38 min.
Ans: 1 h 20 min
